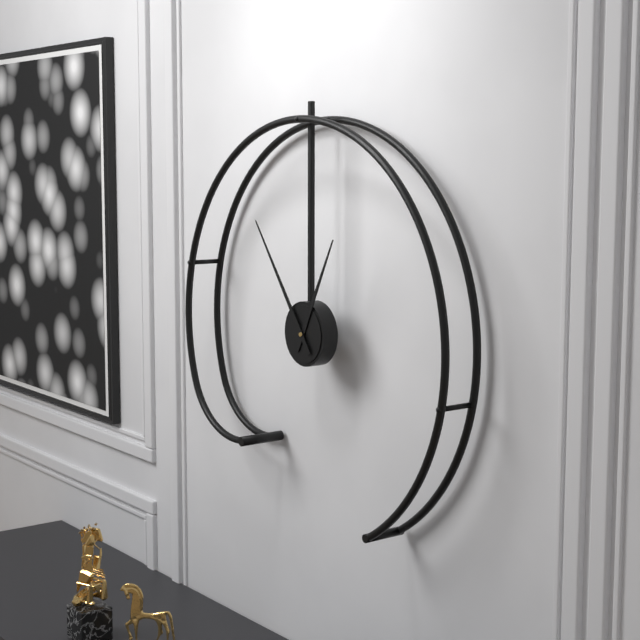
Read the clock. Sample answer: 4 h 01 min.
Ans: 12 h 54 min
